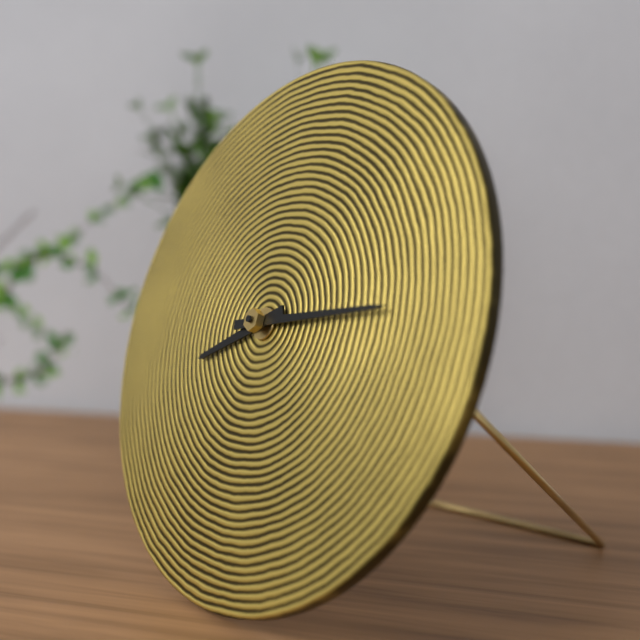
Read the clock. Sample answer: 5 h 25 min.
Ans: 8 h 14 min
